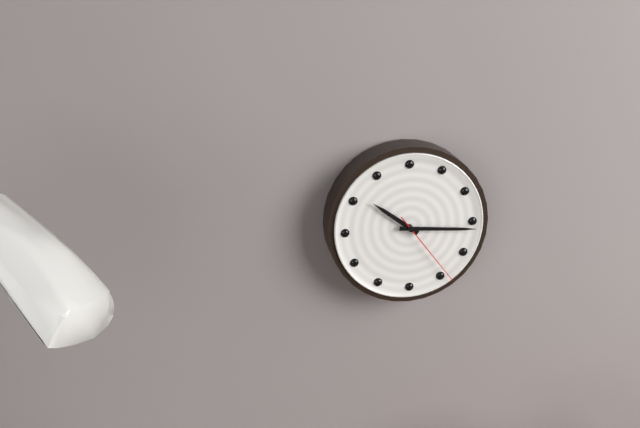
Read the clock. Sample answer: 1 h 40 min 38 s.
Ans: 10 h 16 min 24 s
